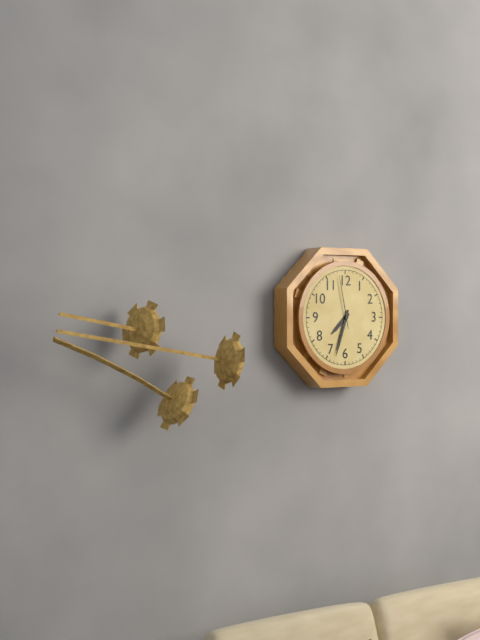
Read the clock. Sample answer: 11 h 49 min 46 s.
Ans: 7 h 33 min 58 s
